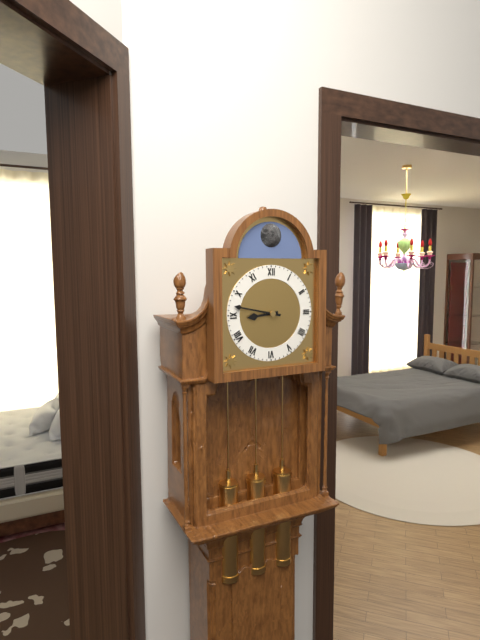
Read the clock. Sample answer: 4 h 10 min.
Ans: 8 h 47 min
